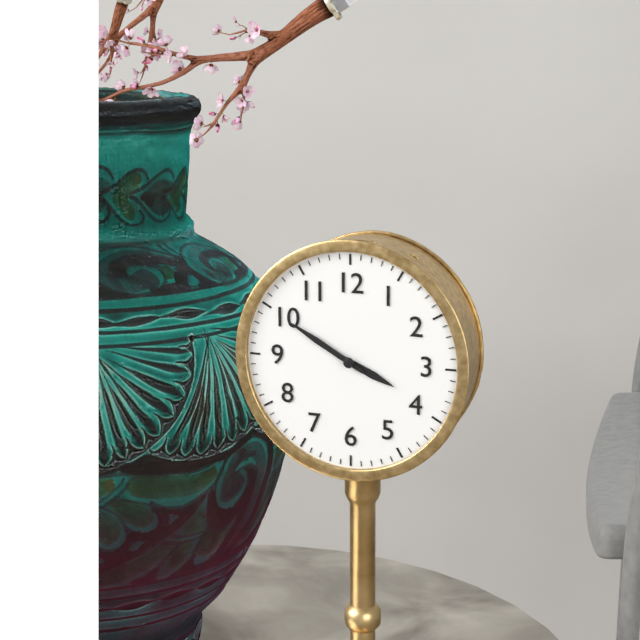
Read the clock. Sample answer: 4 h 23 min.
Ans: 3 h 50 min
